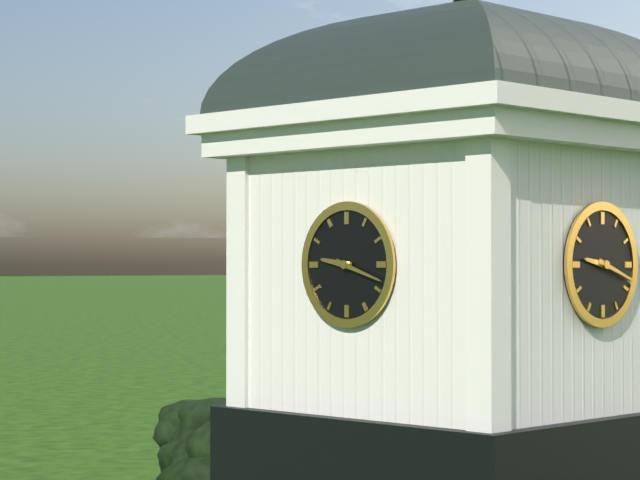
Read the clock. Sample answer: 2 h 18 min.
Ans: 9 h 18 min
